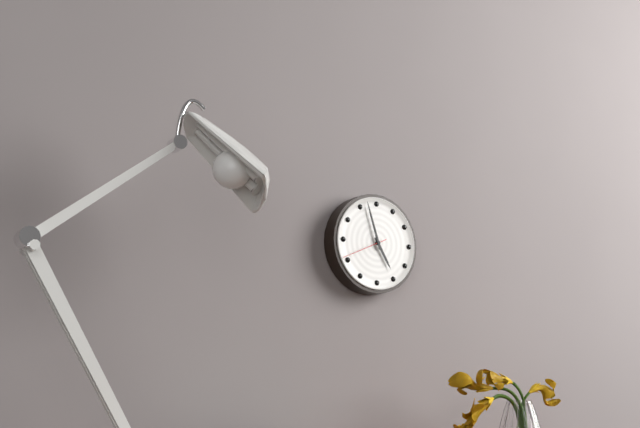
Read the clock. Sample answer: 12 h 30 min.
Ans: 4 h 57 min
